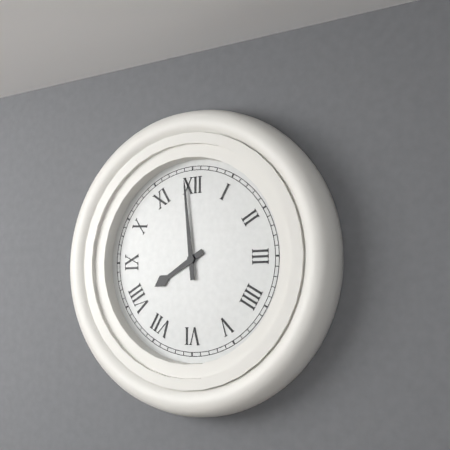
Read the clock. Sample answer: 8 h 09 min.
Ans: 7 h 59 min
